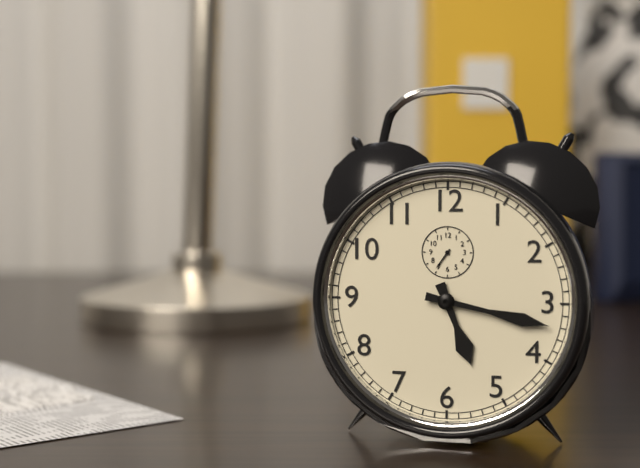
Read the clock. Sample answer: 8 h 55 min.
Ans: 5 h 17 min
